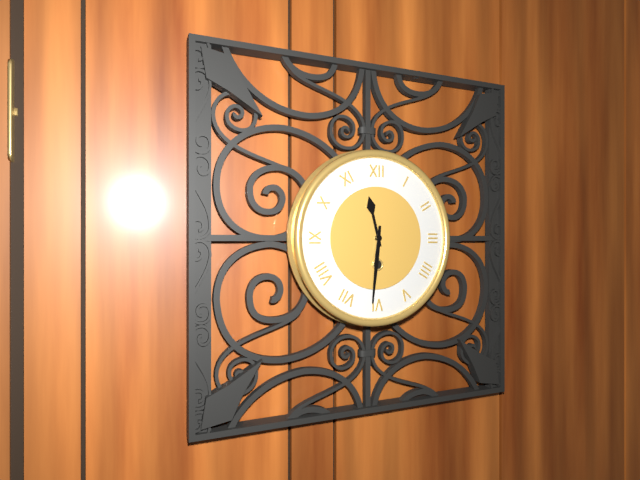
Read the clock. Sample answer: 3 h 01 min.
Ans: 11 h 31 min
